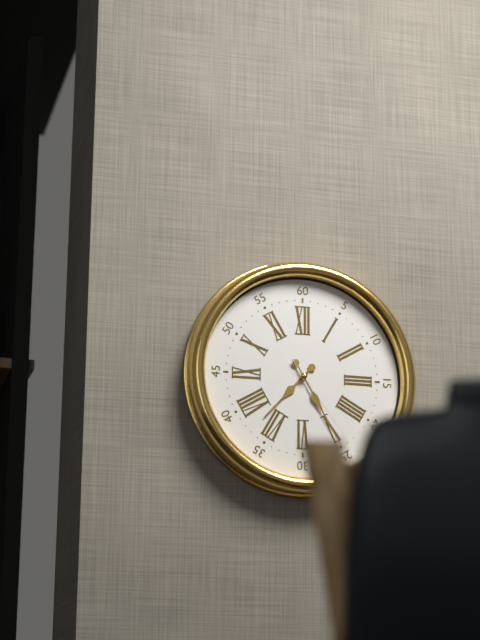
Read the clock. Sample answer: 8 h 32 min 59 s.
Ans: 7 h 25 min 24 s
